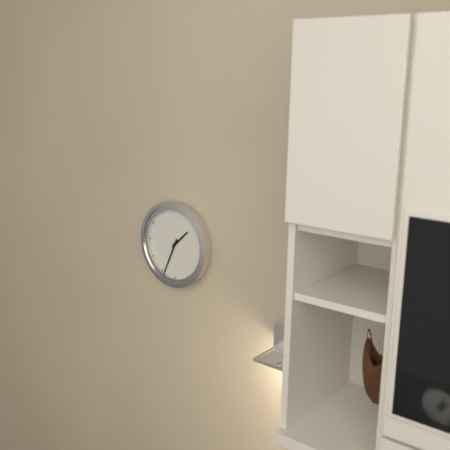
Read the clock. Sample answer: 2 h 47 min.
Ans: 1 h 34 min
